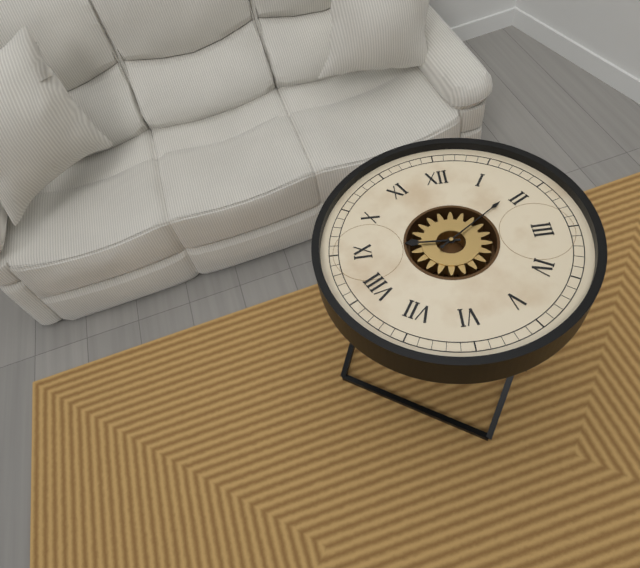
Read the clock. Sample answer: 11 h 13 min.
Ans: 9 h 09 min
